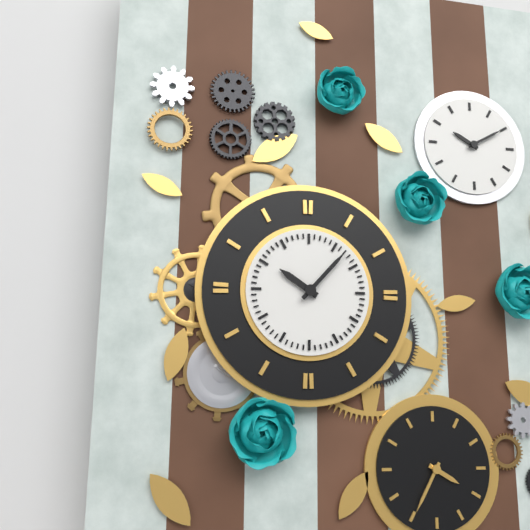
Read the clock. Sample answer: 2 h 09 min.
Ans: 10 h 07 min
